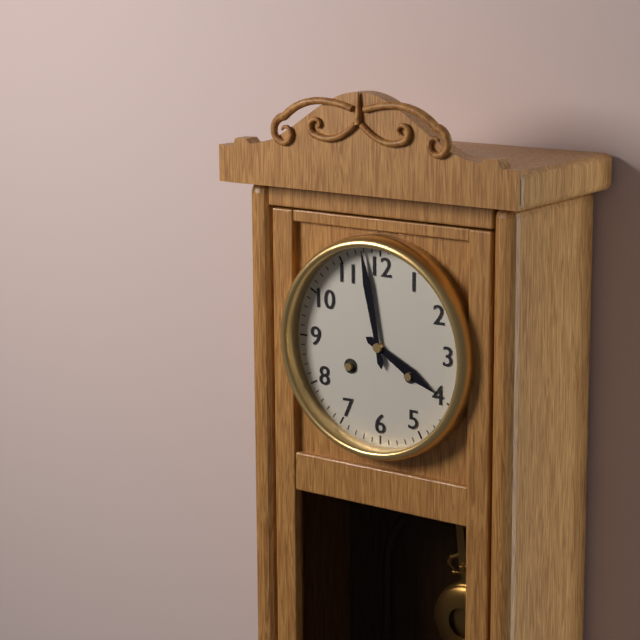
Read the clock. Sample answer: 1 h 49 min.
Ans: 3 h 58 min
